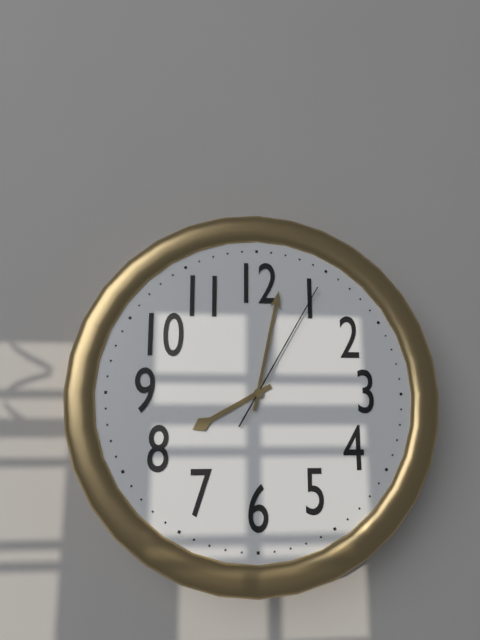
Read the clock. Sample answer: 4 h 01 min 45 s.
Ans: 8 h 02 min 05 s
